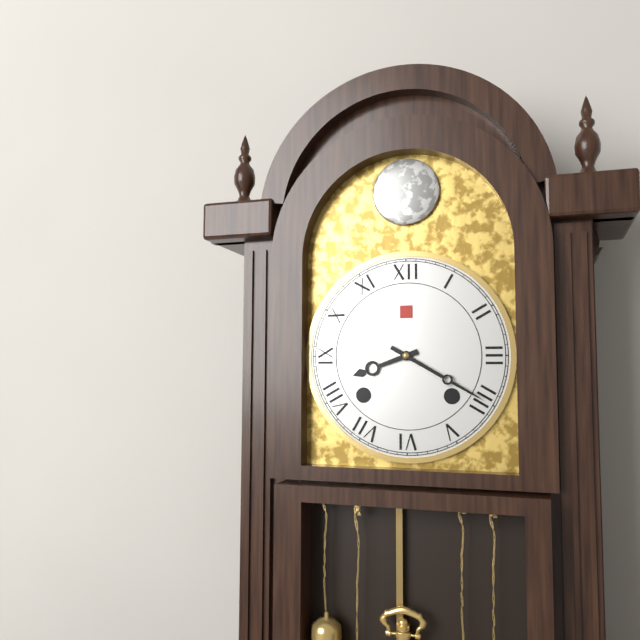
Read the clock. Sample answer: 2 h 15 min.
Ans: 8 h 20 min
